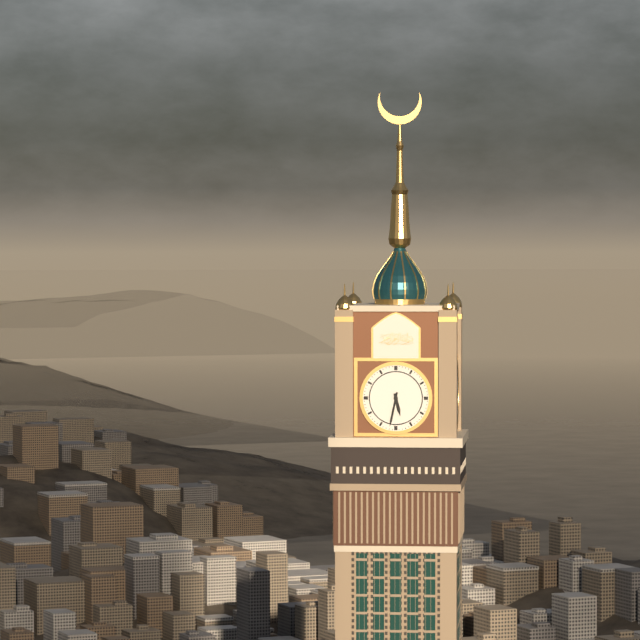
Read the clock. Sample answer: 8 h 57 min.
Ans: 5 h 32 min
